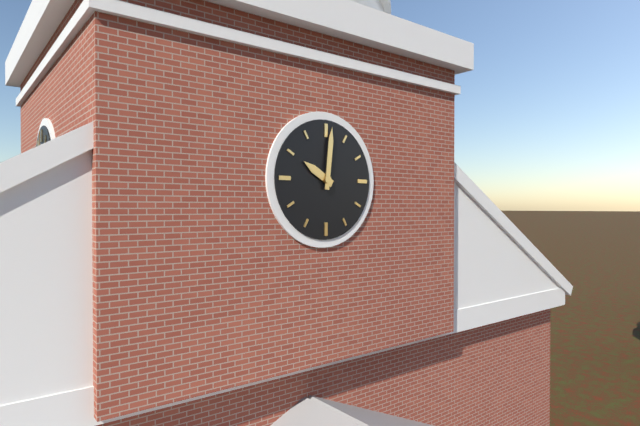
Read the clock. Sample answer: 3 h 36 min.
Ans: 10 h 01 min
